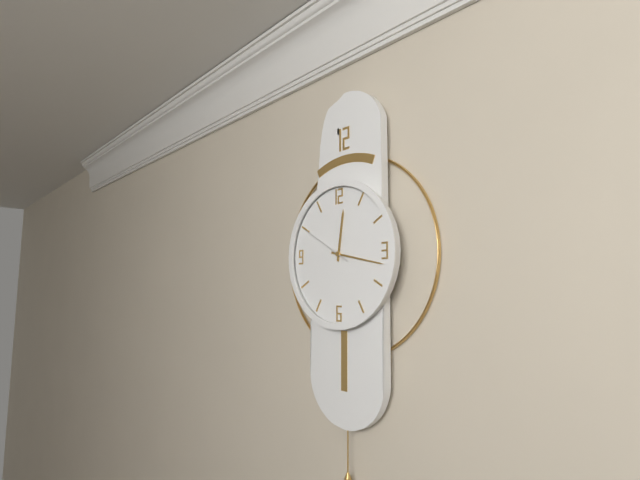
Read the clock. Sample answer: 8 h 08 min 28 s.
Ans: 12 h 17 min 50 s
